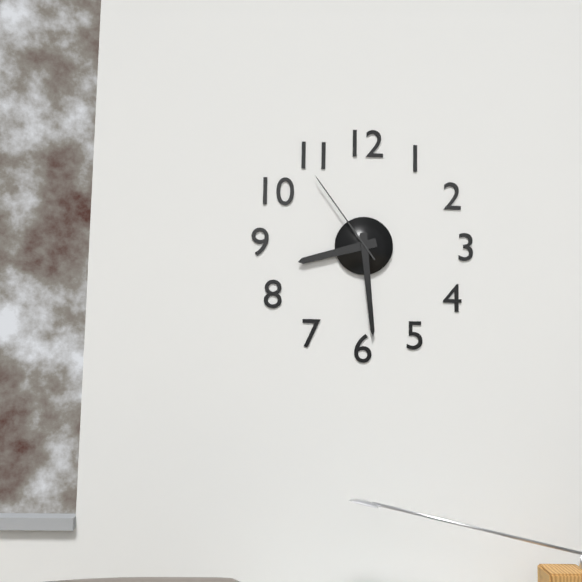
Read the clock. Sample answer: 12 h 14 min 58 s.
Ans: 8 h 29 min 54 s
